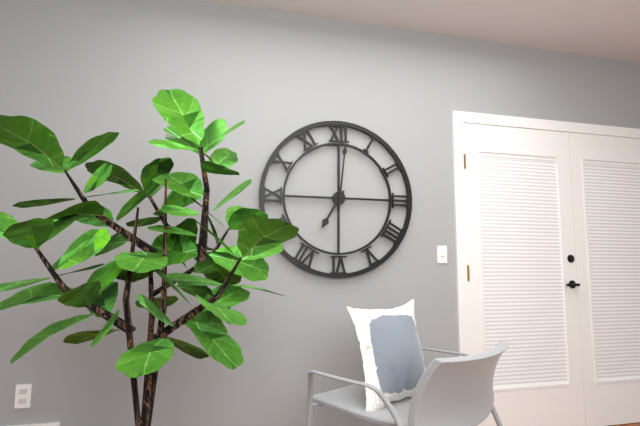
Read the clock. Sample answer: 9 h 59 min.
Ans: 7 h 01 min
